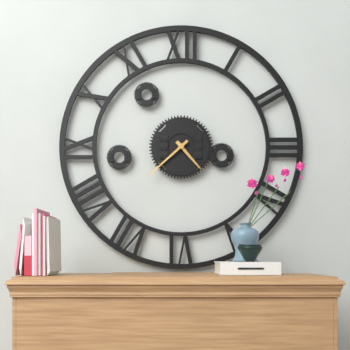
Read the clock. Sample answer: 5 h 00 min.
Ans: 4 h 38 min
